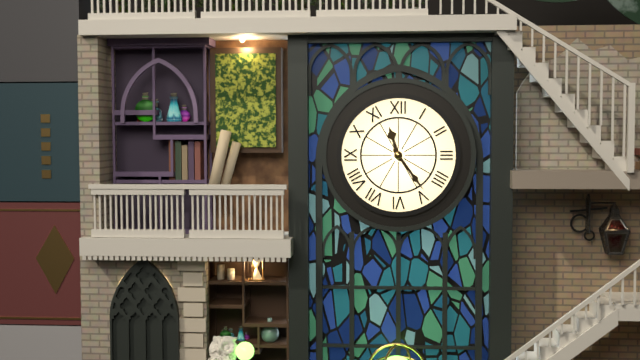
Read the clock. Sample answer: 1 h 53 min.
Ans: 11 h 24 min
